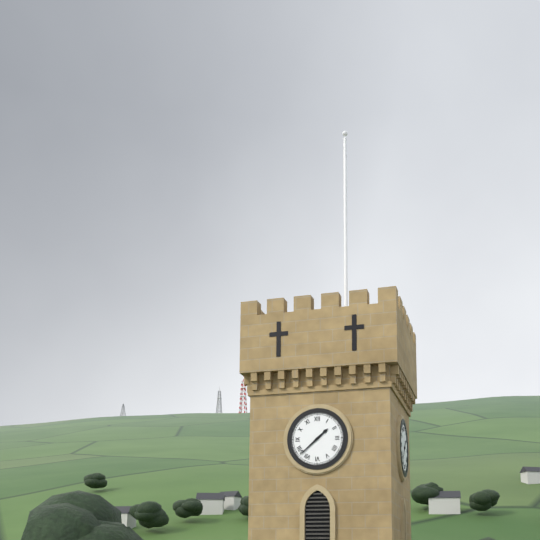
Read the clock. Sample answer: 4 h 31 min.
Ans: 1 h 38 min
